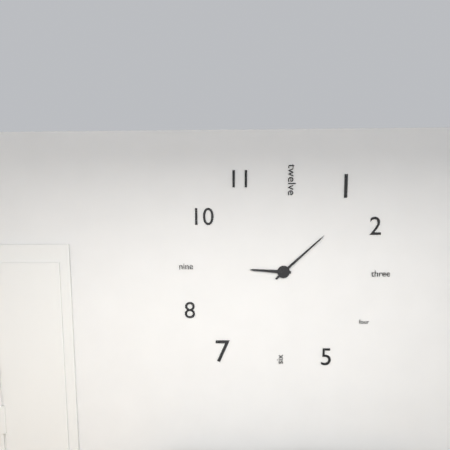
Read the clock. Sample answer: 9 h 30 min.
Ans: 9 h 08 min
